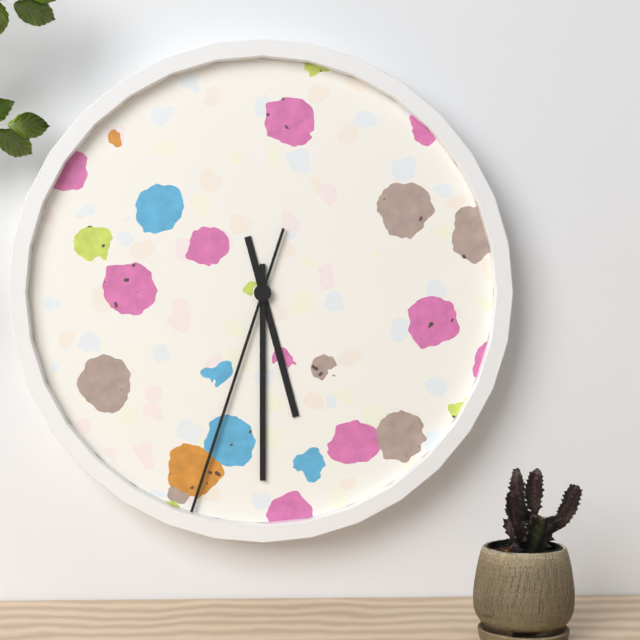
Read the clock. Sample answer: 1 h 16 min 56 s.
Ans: 5 h 30 min 33 s
